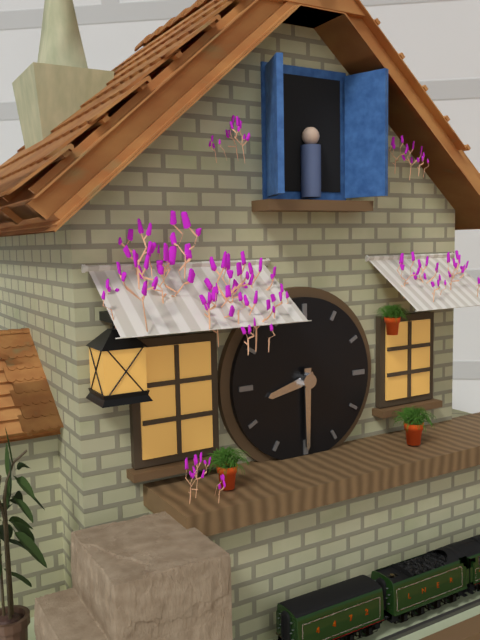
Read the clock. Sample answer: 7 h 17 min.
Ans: 8 h 30 min
